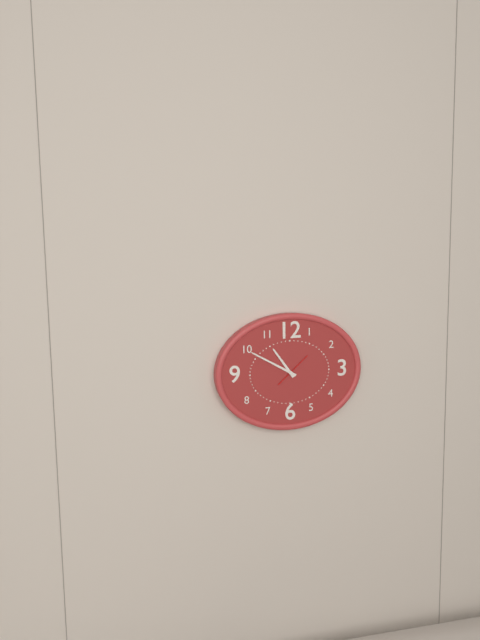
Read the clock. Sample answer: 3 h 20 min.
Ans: 10 h 50 min
